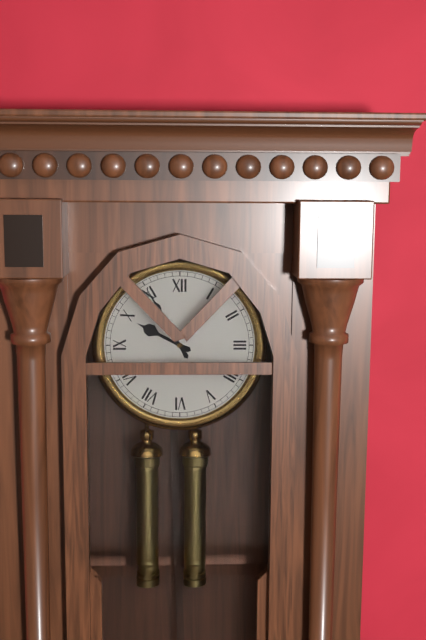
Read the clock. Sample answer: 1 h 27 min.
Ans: 9 h 55 min
